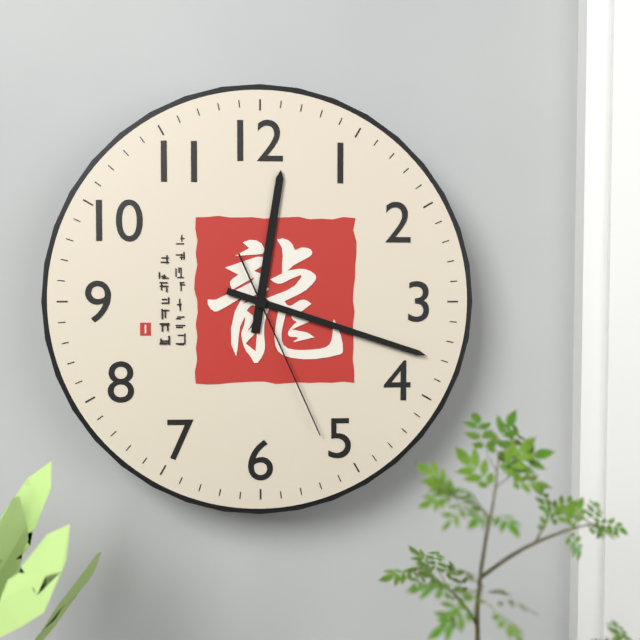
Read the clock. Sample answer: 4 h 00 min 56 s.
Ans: 12 h 18 min 26 s
